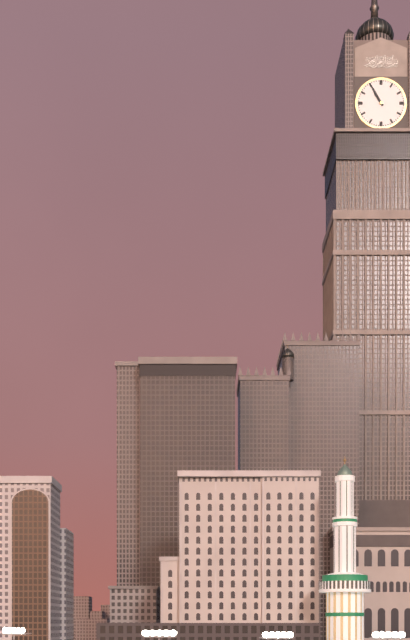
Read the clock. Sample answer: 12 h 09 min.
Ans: 10 h 55 min
